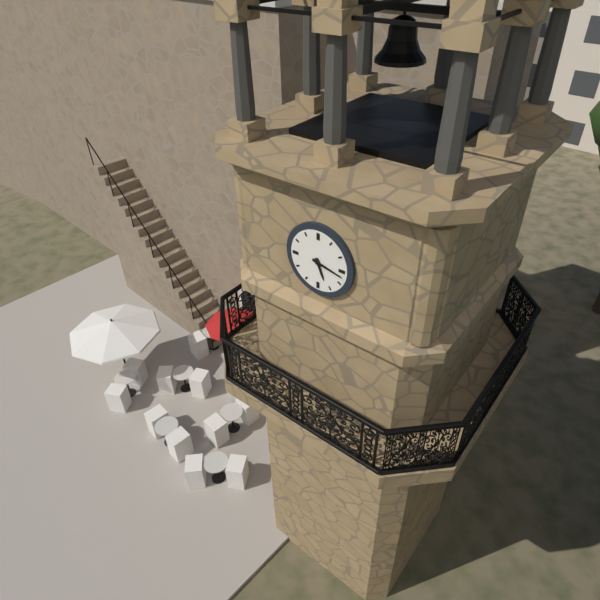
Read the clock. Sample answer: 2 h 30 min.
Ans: 5 h 17 min
